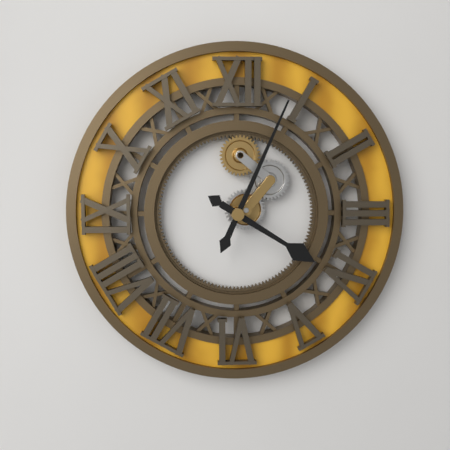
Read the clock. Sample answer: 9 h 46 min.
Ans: 4 h 04 min
